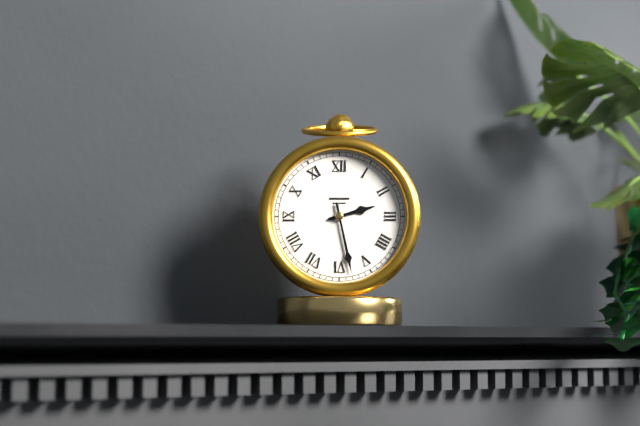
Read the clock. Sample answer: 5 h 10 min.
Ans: 2 h 28 min
